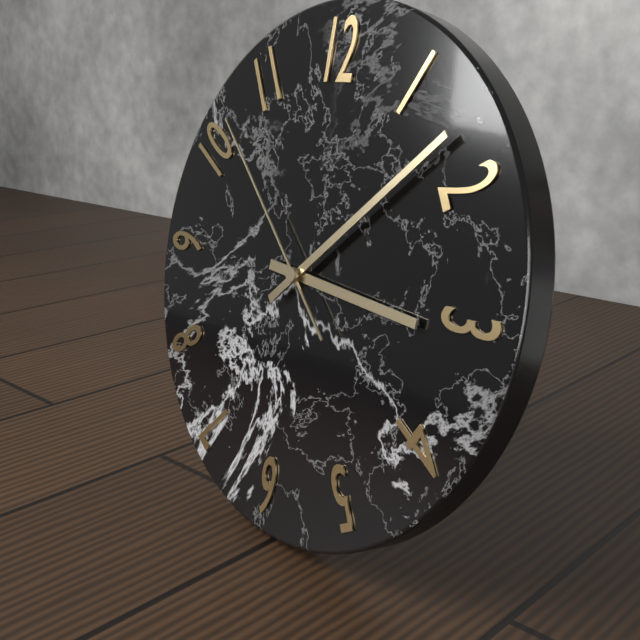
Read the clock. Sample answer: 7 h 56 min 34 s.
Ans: 3 h 08 min 52 s
